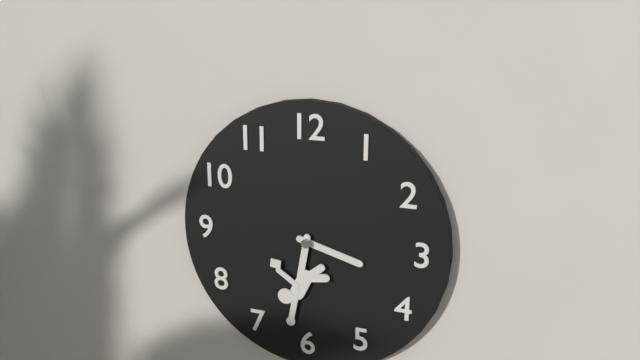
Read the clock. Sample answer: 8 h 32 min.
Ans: 3 h 31 min
